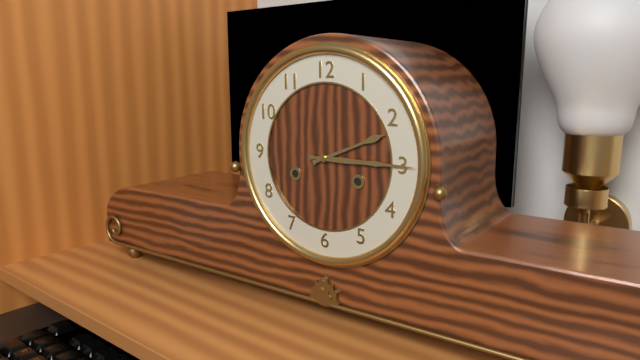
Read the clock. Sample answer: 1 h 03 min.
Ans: 2 h 15 min
